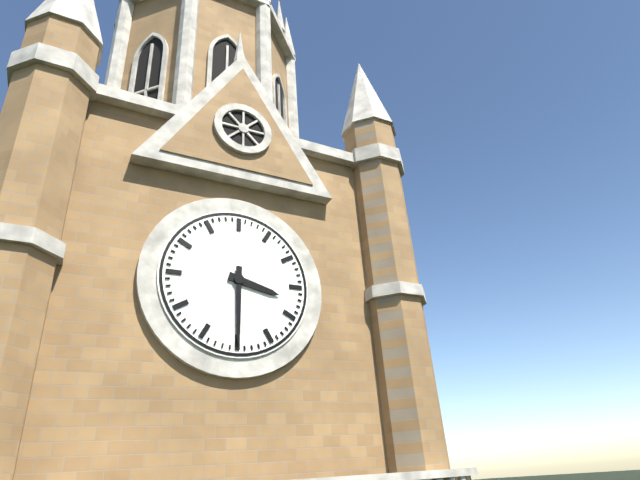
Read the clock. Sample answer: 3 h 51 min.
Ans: 3 h 30 min
